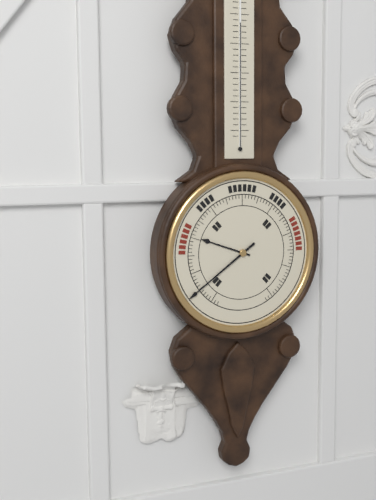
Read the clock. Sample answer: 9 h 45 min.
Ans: 9 h 39 min
